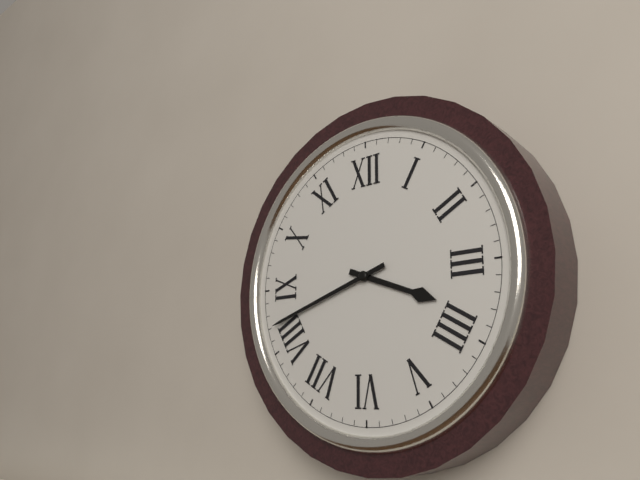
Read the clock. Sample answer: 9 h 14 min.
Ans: 3 h 42 min
